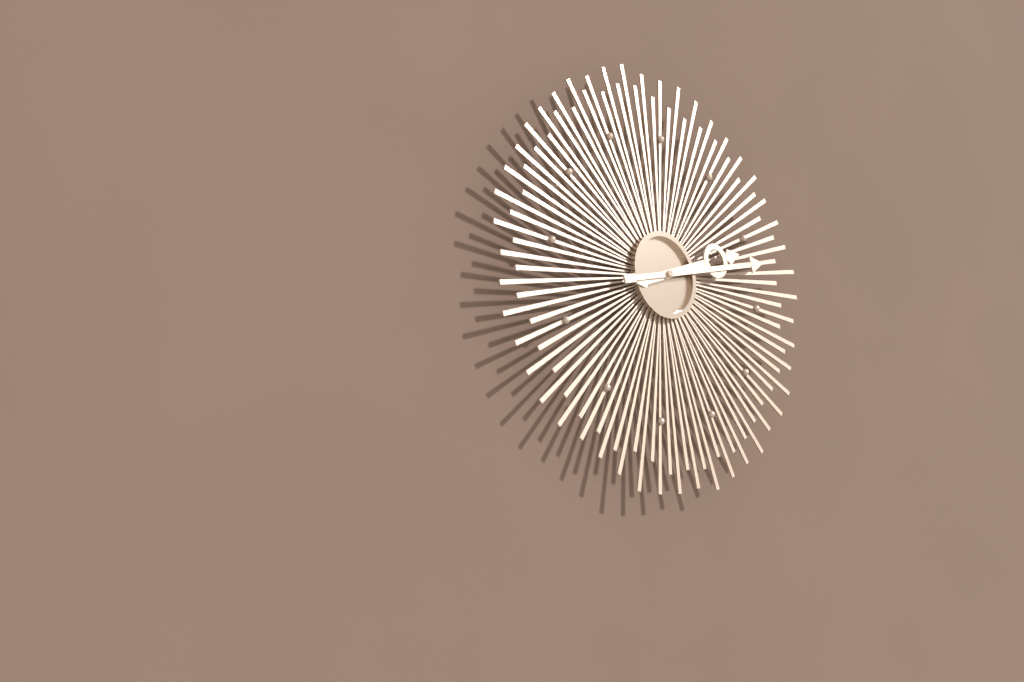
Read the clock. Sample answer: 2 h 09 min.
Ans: 2 h 12 min
